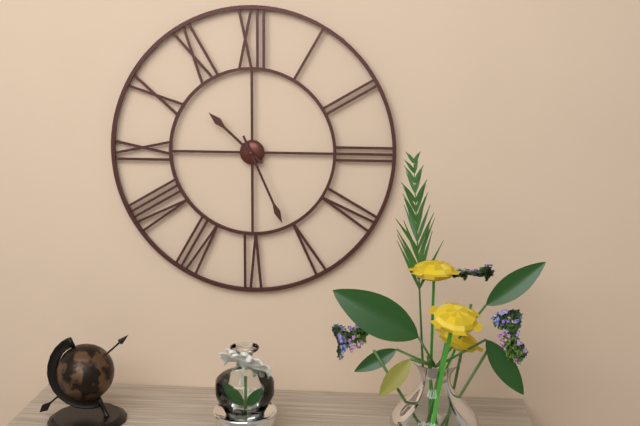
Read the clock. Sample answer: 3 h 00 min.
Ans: 10 h 26 min
